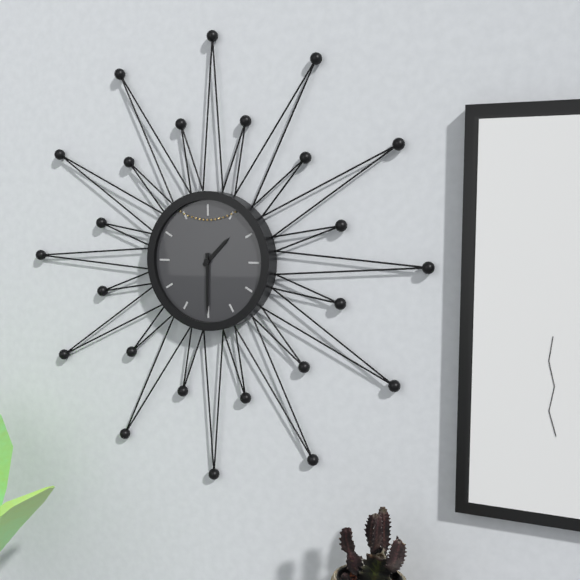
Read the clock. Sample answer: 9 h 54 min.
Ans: 1 h 30 min
